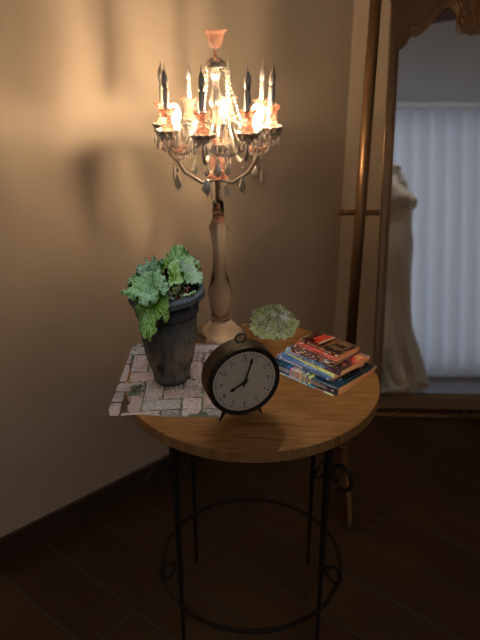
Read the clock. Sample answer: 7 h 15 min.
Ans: 8 h 03 min
